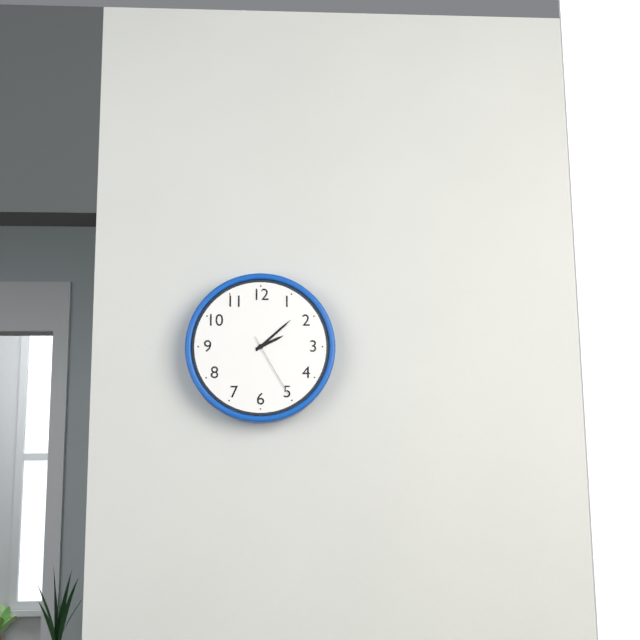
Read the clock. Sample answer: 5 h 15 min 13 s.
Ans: 2 h 08 min 25 s
